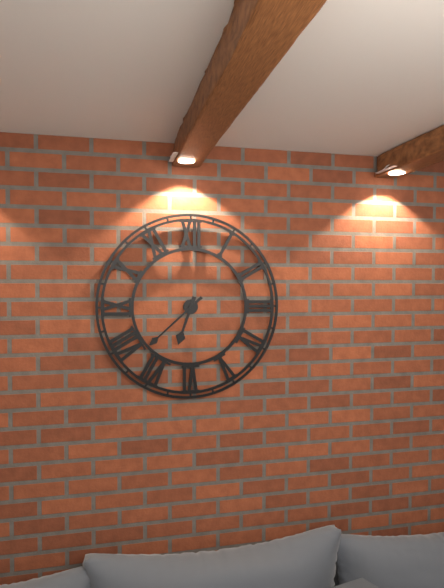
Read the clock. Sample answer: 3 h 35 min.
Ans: 6 h 38 min
